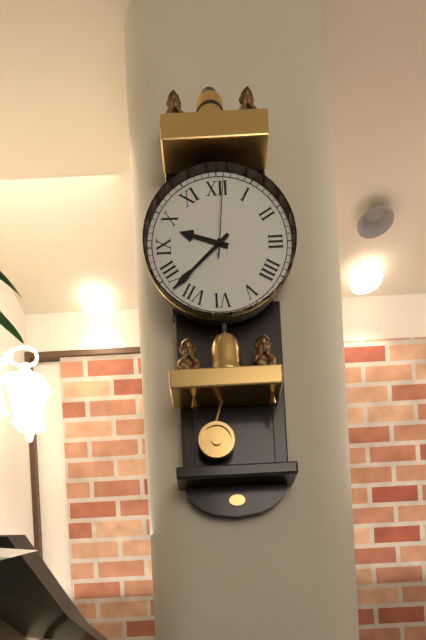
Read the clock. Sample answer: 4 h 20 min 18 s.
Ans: 9 h 38 min 01 s
